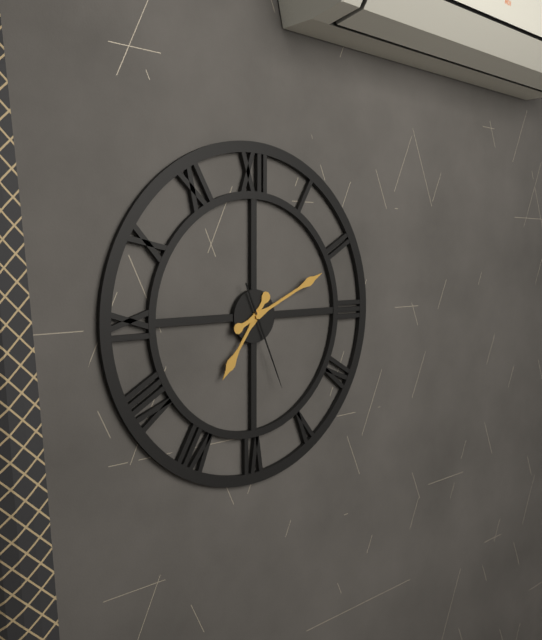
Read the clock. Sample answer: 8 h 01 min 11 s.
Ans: 7 h 11 min 26 s
